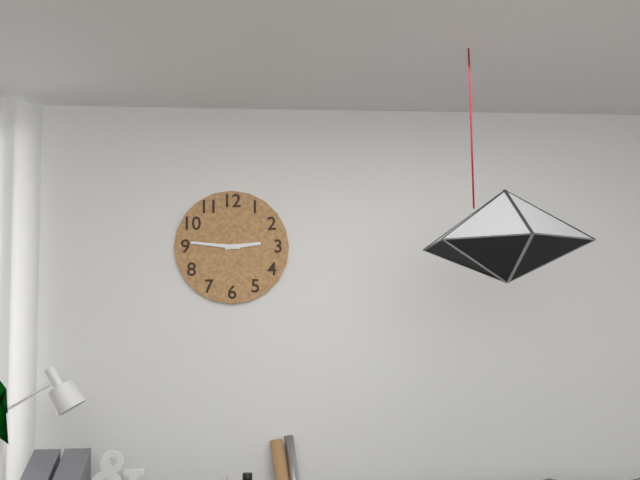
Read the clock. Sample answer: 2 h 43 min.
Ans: 2 h 46 min
